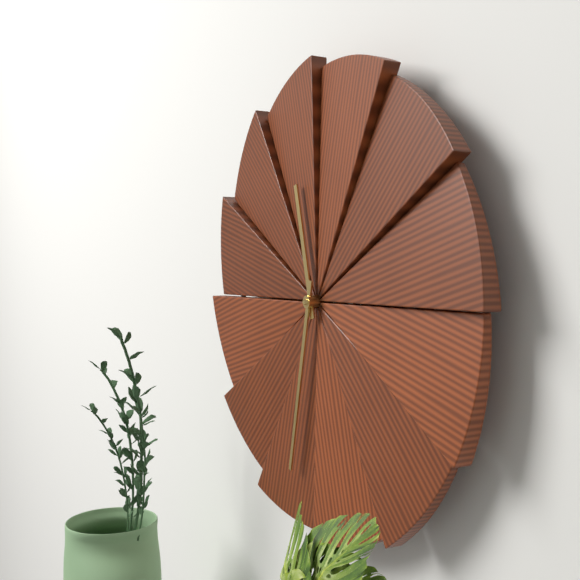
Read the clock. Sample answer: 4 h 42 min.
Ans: 11 h 32 min
